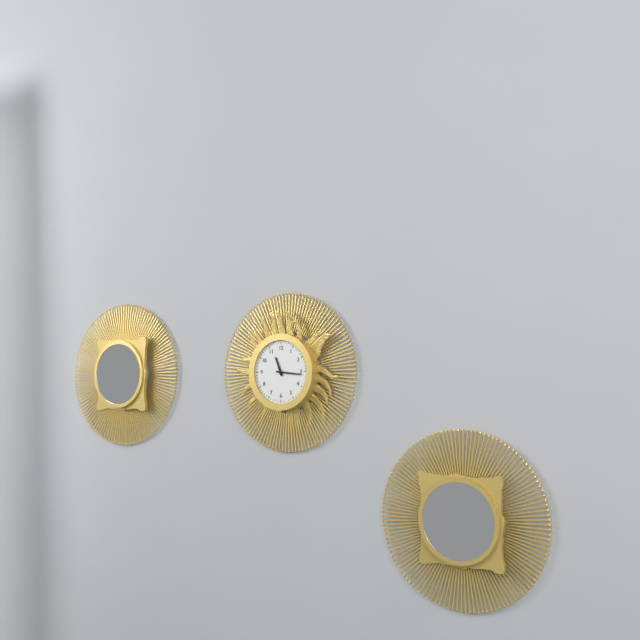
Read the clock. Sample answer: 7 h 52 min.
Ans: 11 h 16 min
